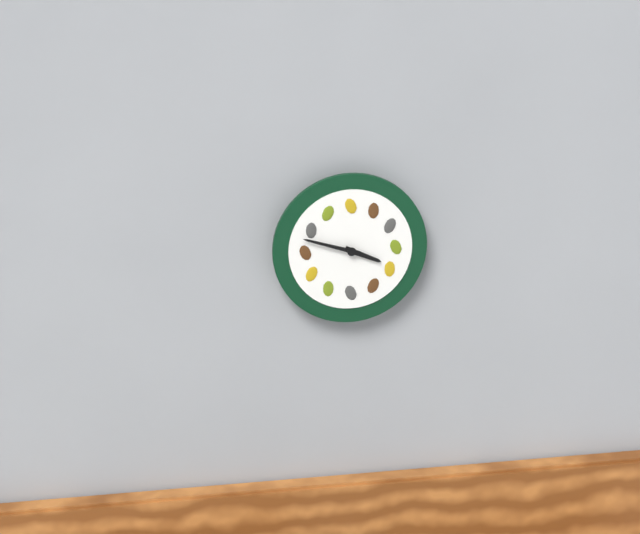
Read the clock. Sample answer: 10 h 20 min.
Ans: 3 h 48 min
